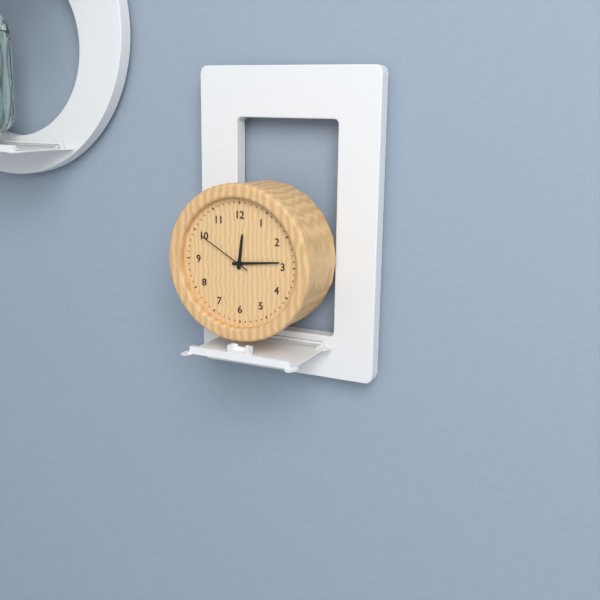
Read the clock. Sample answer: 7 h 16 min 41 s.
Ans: 12 h 14 min 50 s
